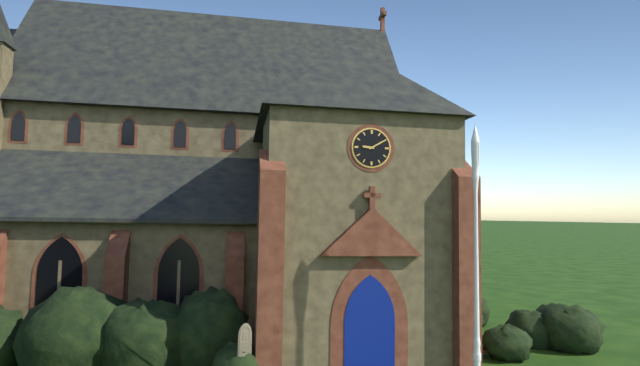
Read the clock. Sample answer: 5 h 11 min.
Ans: 9 h 10 min
